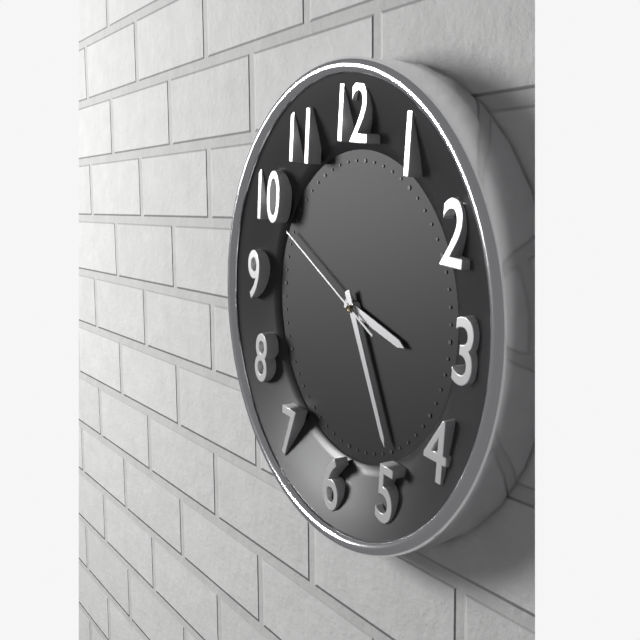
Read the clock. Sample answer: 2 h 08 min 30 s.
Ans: 3 h 25 min 49 s
